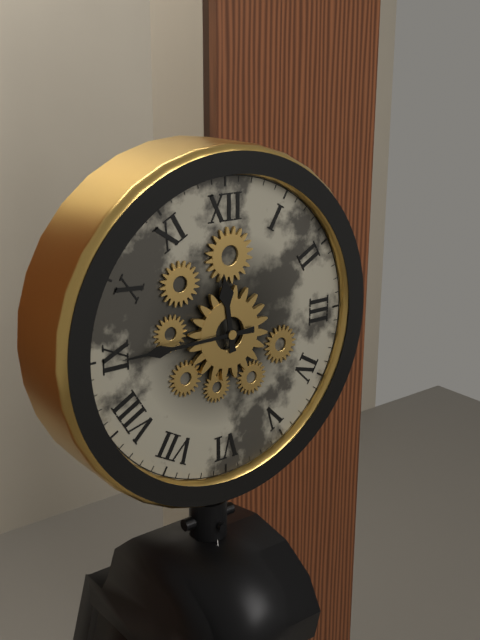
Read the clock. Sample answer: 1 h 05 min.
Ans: 11 h 45 min
